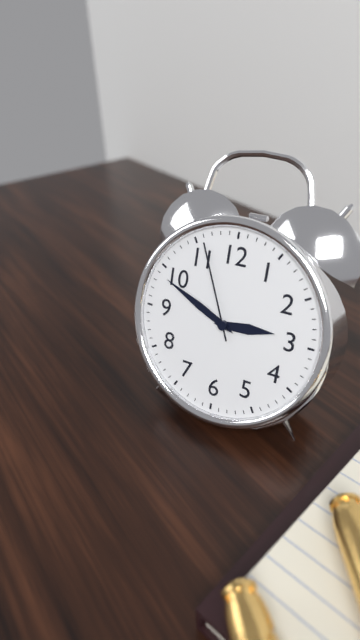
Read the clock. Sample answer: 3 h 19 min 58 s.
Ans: 2 h 49 min 56 s
